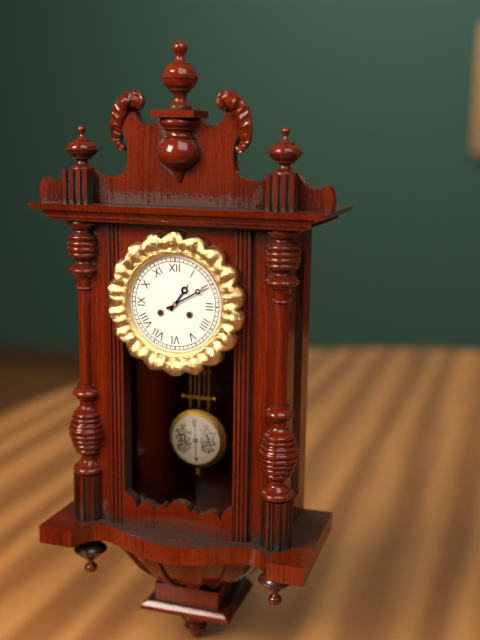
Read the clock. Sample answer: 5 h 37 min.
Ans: 1 h 10 min
